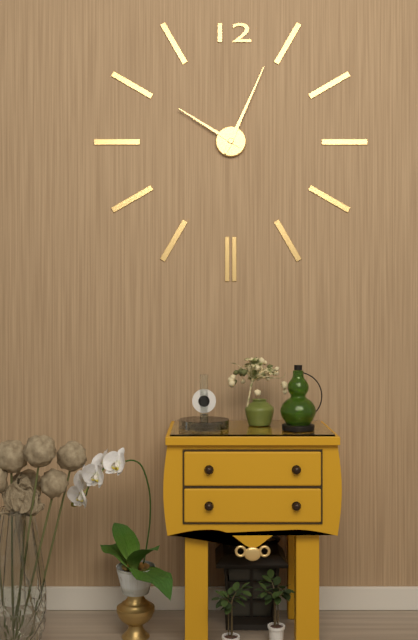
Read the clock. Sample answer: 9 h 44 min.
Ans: 10 h 04 min
